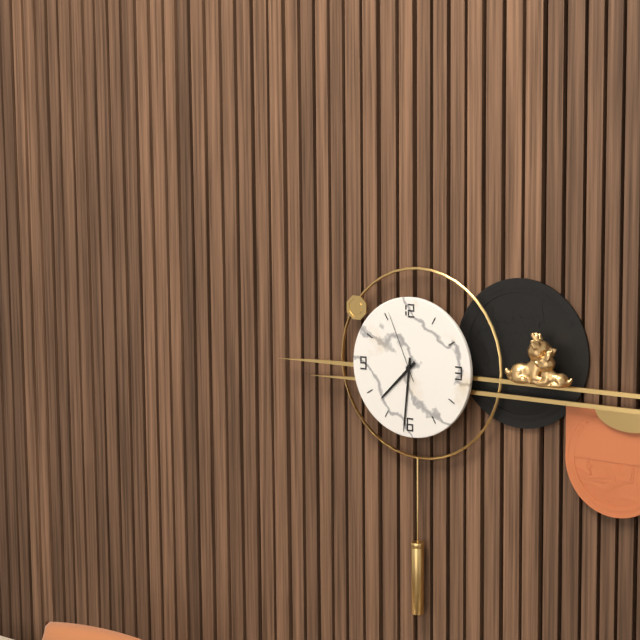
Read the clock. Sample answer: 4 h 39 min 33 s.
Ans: 7 h 31 min 56 s
